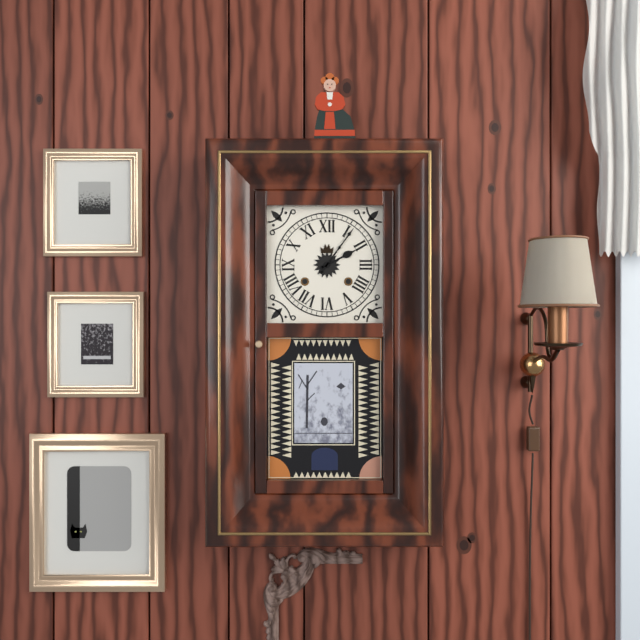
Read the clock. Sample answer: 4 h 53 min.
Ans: 2 h 06 min
